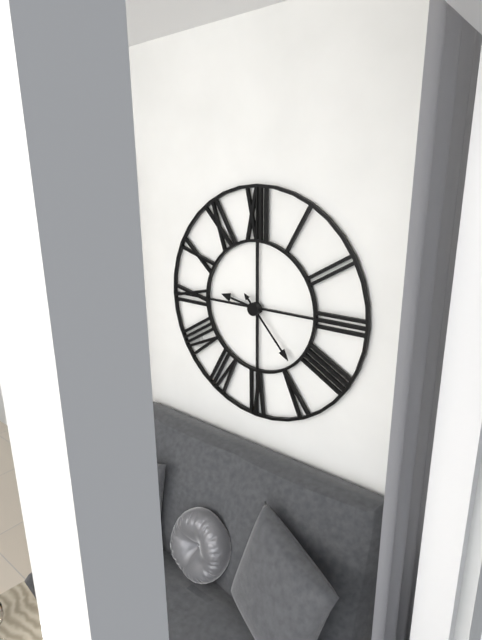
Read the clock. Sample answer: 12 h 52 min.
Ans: 9 h 23 min
